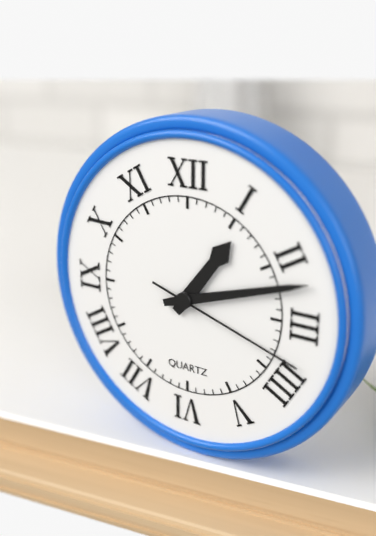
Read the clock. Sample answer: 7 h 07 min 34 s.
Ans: 1 h 12 min 18 s
